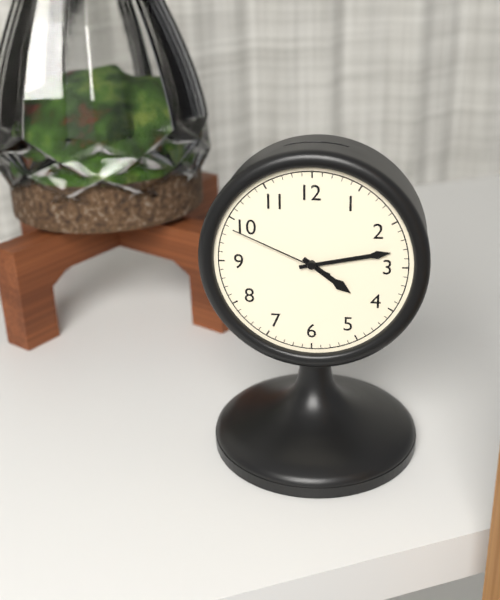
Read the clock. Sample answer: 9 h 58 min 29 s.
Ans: 4 h 13 min 49 s
